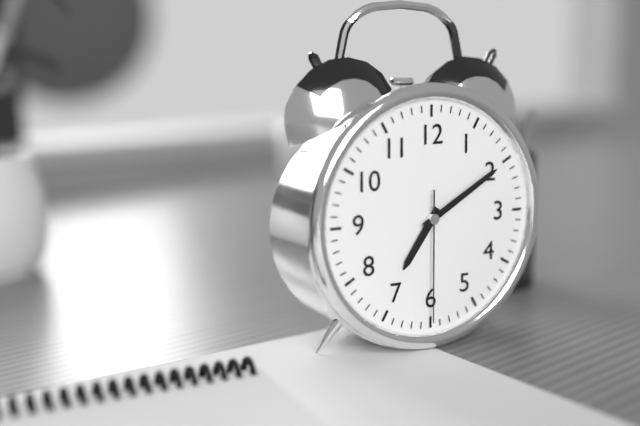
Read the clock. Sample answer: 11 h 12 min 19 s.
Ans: 7 h 10 min 30 s
